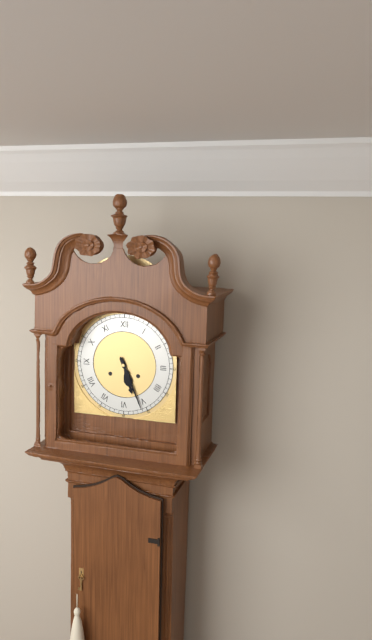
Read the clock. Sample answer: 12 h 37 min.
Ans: 5 h 26 min
